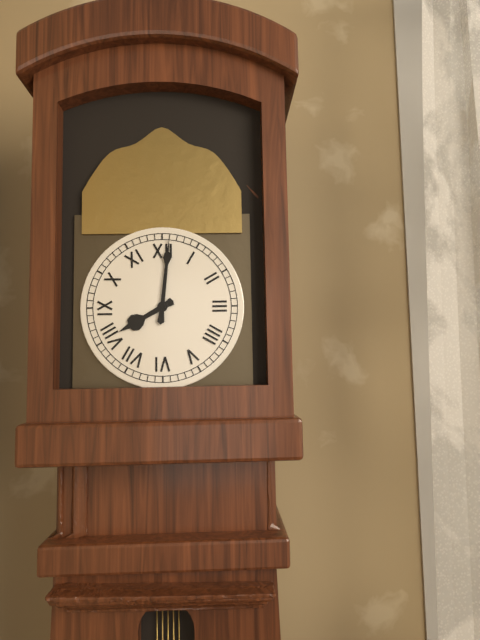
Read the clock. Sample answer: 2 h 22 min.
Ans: 8 h 01 min
